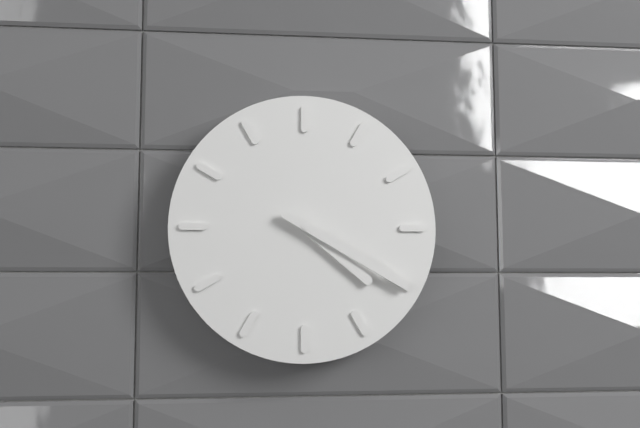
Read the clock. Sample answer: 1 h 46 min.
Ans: 4 h 20 min
